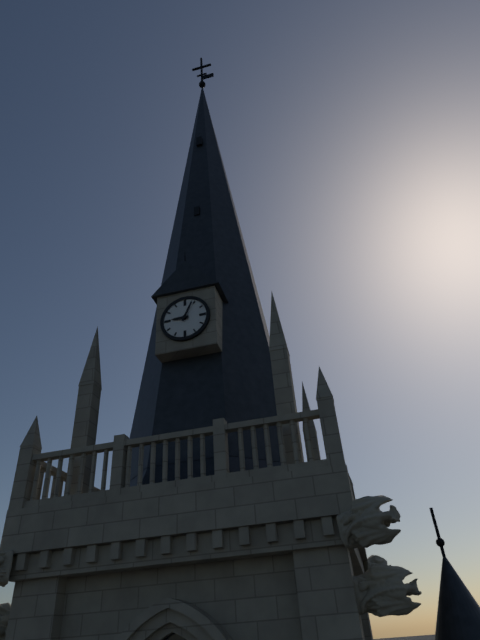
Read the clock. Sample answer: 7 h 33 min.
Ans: 9 h 04 min
